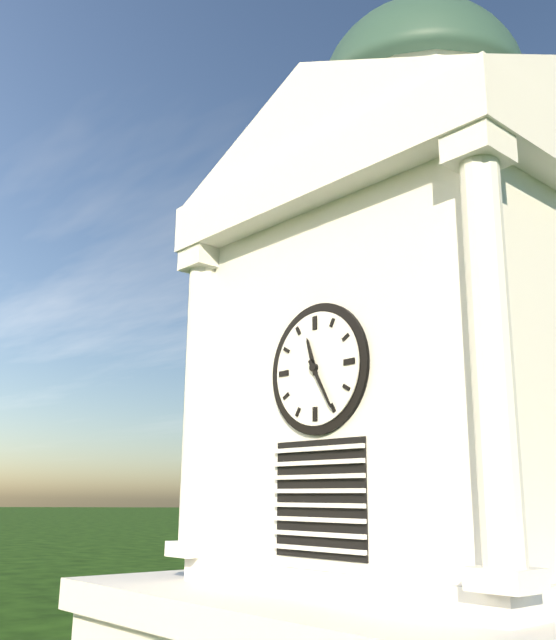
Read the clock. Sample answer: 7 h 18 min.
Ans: 11 h 25 min
